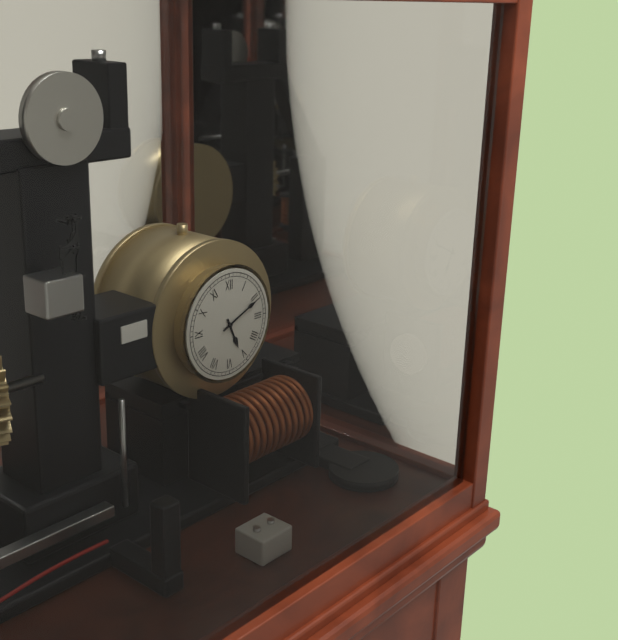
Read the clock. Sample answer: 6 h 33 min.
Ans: 5 h 11 min
